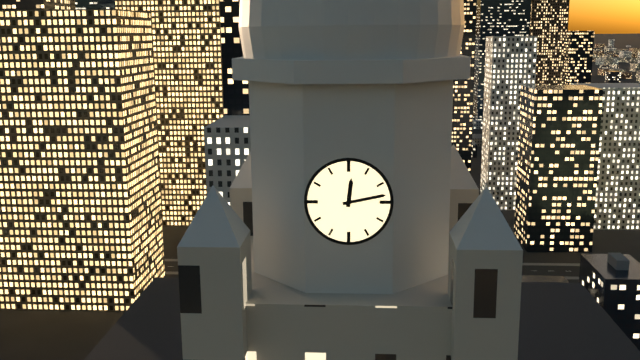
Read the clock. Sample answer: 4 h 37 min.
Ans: 12 h 13 min
